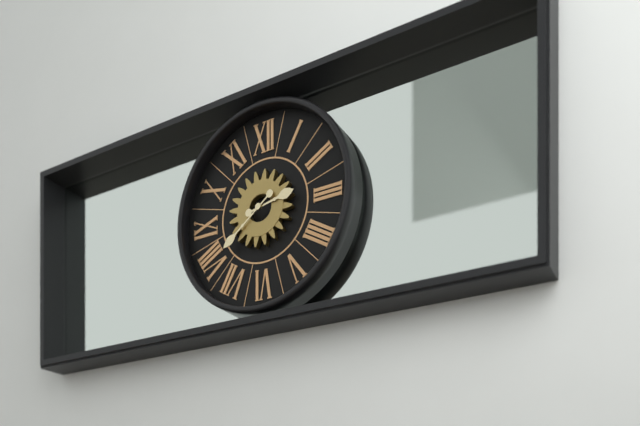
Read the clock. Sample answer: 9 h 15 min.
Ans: 2 h 39 min
